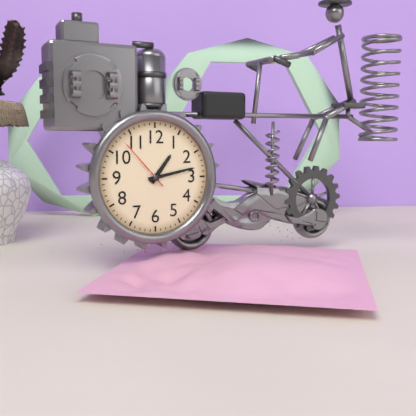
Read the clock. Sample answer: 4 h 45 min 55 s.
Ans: 1 h 13 min 53 s
